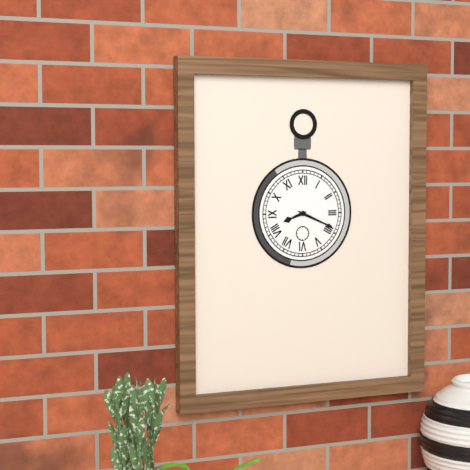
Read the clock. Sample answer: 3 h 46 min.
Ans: 8 h 19 min
